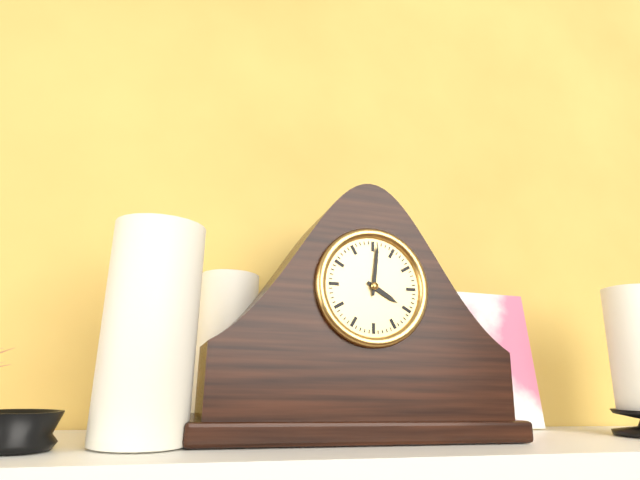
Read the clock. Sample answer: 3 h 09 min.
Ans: 4 h 01 min
